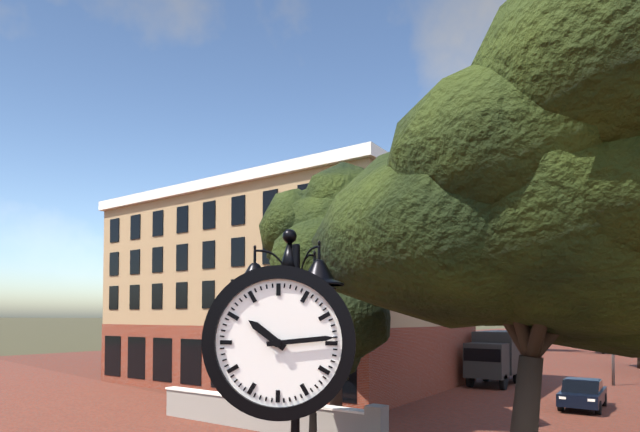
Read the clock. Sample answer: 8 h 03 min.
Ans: 10 h 14 min
